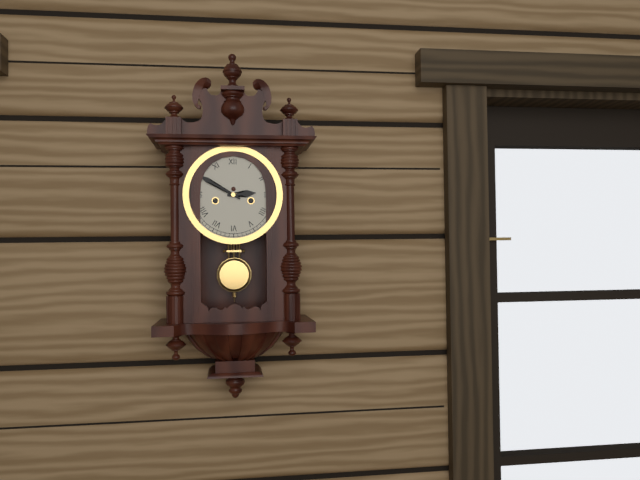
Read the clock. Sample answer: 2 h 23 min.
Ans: 2 h 50 min
